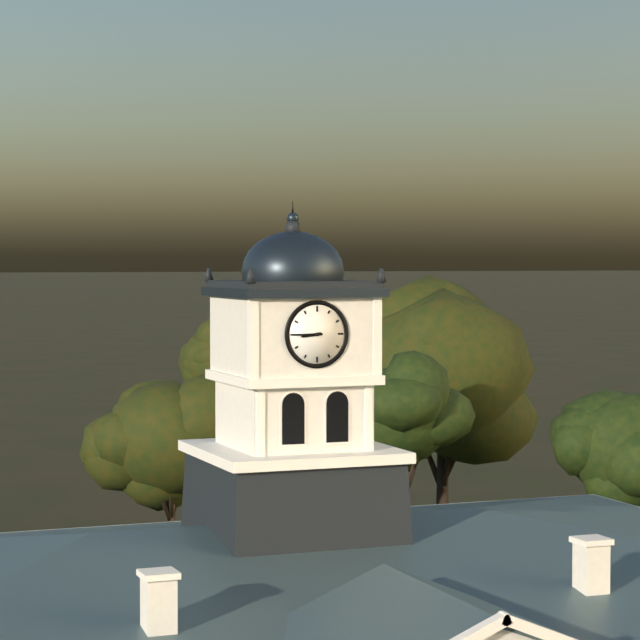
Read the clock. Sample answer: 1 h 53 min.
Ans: 8 h 45 min
